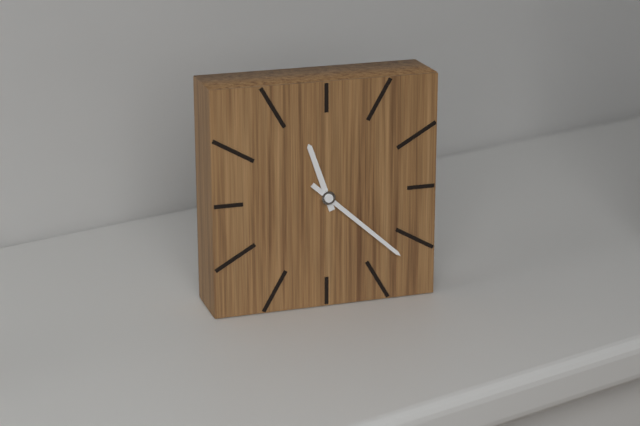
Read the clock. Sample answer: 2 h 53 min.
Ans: 11 h 22 min
